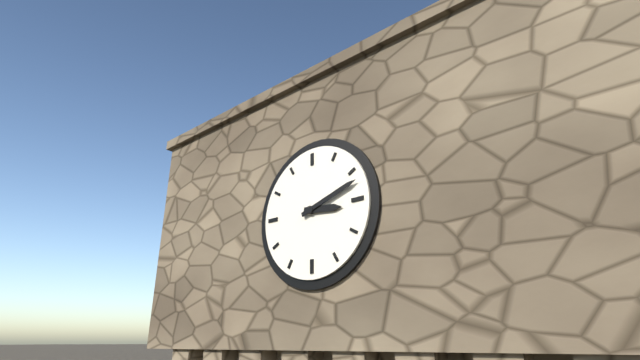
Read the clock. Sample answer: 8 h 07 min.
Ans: 3 h 12 min
